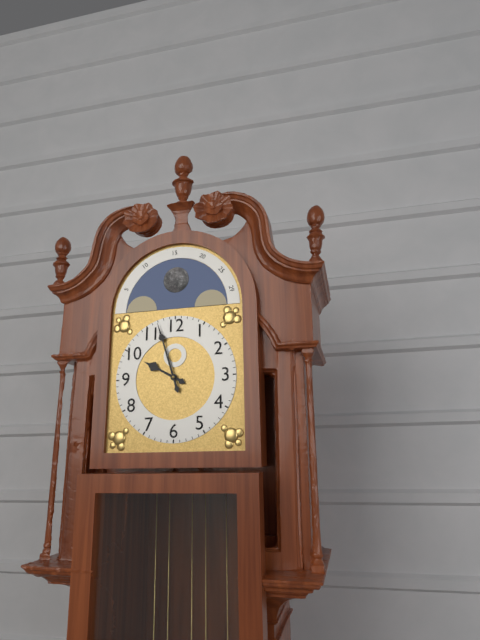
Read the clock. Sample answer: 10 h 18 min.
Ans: 9 h 57 min
